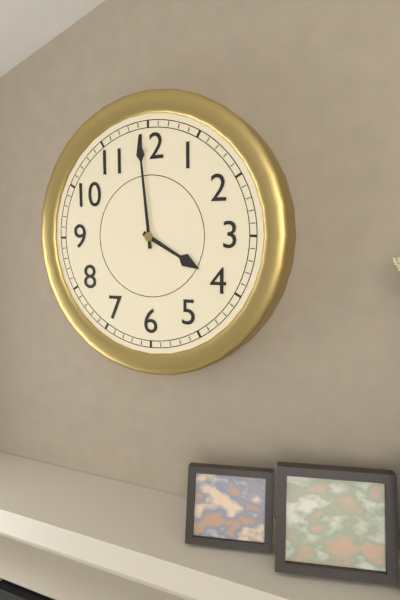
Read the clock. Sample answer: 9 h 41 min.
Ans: 3 h 59 min
